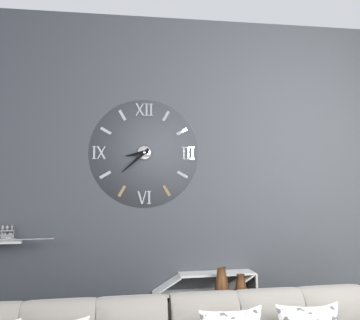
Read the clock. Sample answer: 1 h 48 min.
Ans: 8 h 38 min
